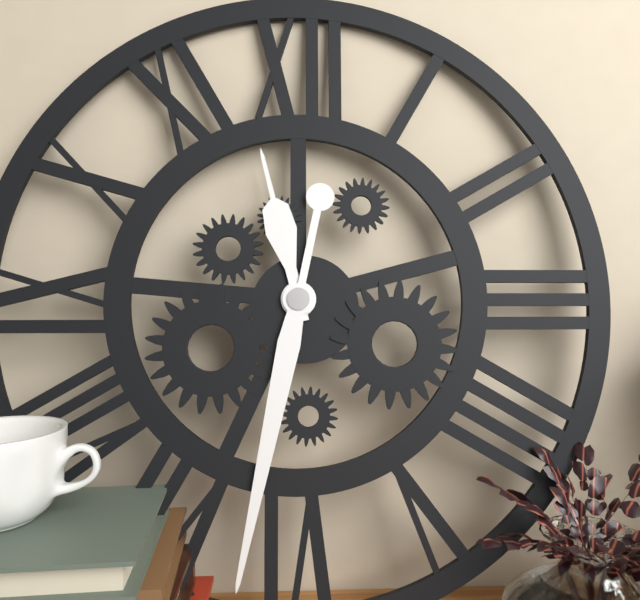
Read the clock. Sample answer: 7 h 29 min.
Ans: 11 h 32 min
